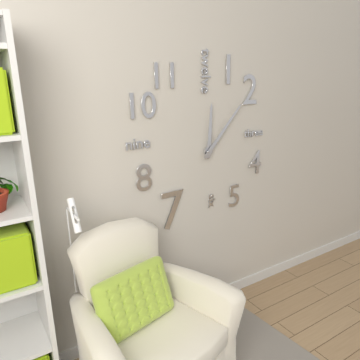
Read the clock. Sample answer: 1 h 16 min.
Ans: 12 h 07 min
